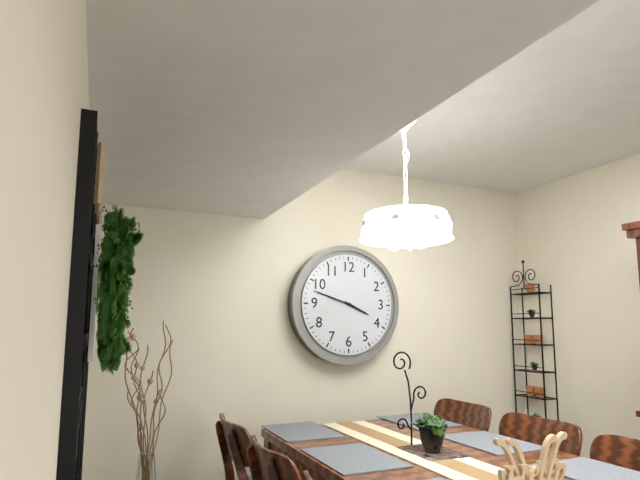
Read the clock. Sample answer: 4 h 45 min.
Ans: 3 h 48 min
